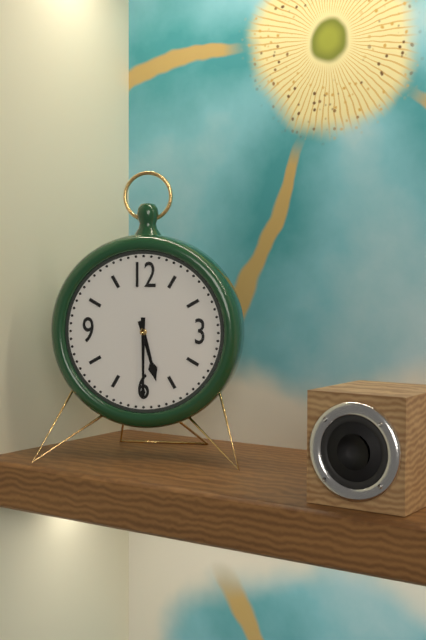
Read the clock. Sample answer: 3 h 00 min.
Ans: 5 h 30 min
